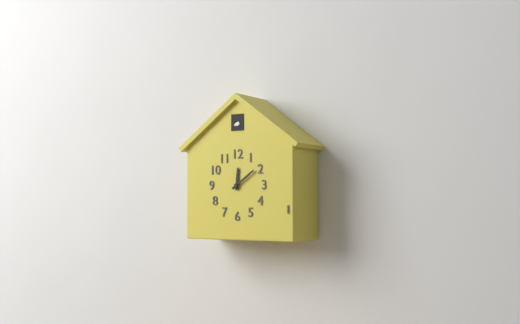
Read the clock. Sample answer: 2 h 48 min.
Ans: 12 h 09 min
